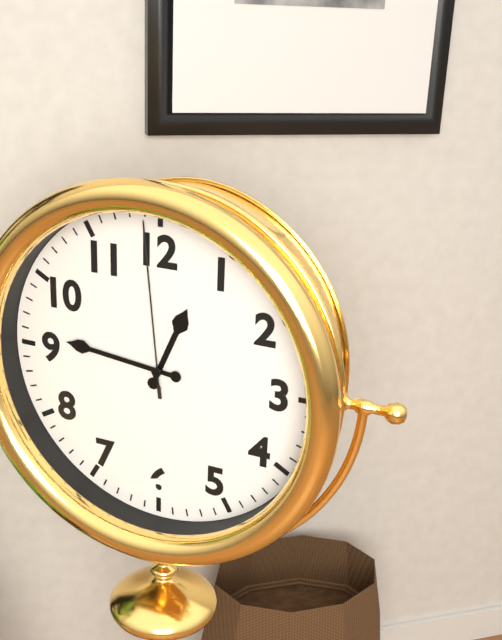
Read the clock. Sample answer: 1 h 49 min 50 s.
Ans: 12 h 46 min 59 s
